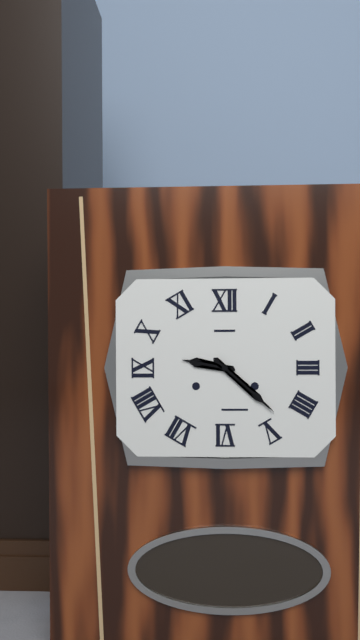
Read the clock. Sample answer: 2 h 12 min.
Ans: 9 h 22 min
